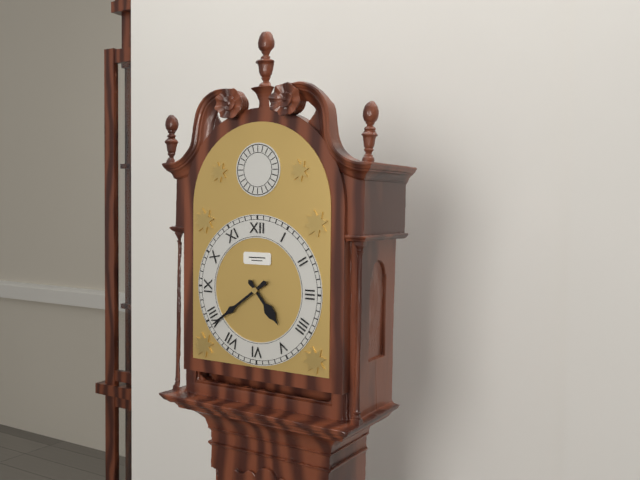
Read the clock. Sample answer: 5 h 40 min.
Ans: 4 h 39 min
